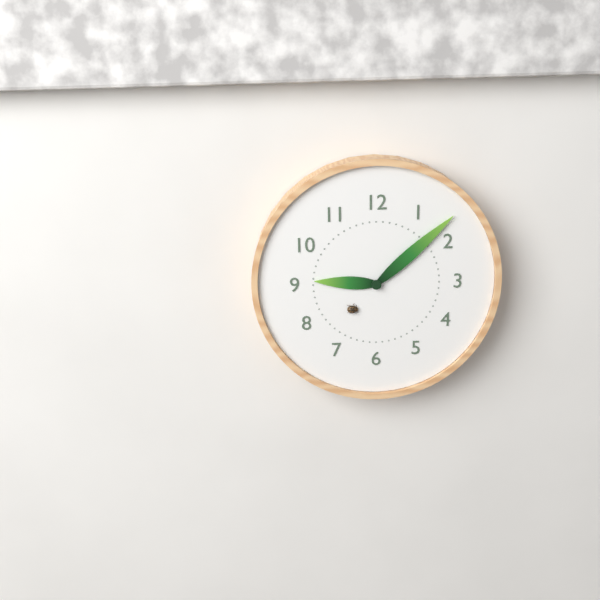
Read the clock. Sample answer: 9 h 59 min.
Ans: 9 h 08 min
